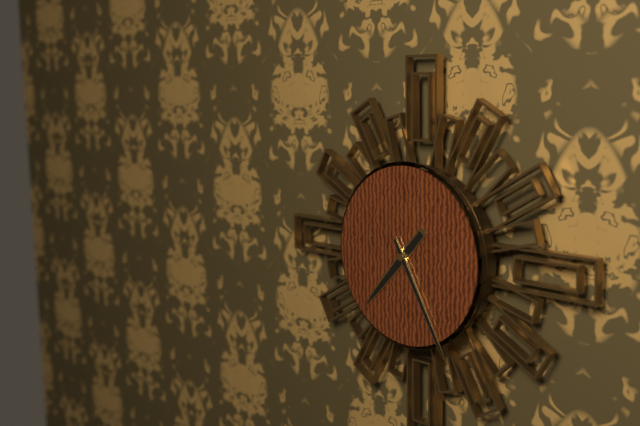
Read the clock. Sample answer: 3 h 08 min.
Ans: 7 h 25 min
